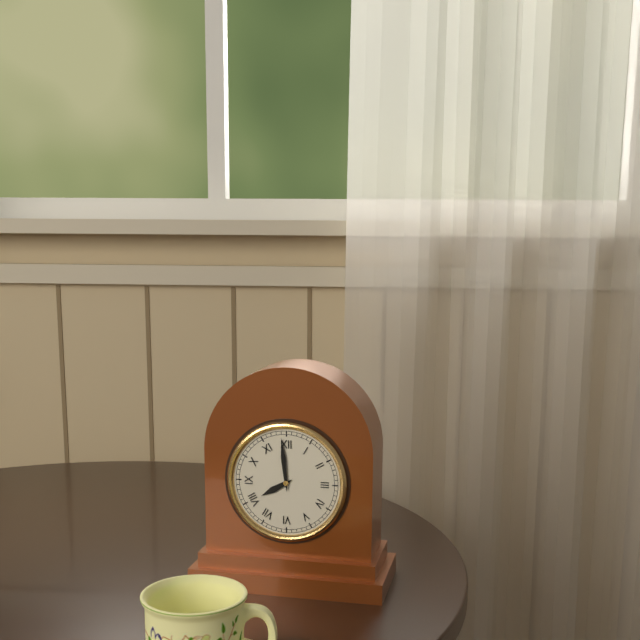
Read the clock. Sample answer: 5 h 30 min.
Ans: 7 h 59 min
